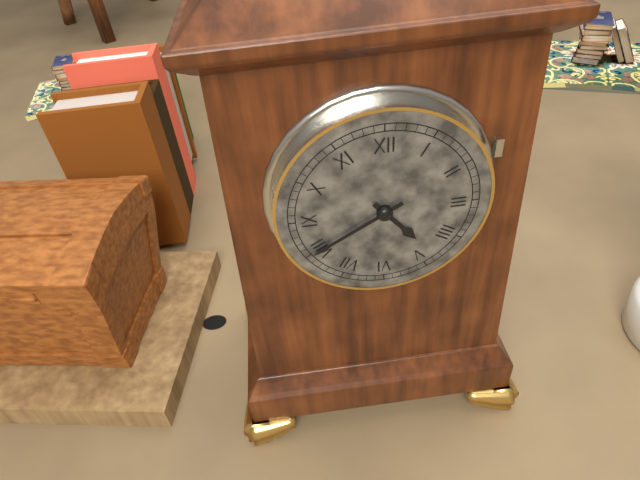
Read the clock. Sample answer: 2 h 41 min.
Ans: 4 h 40 min
